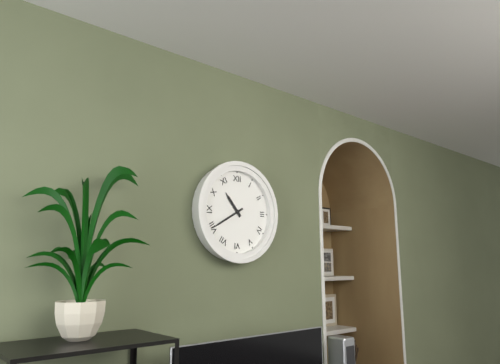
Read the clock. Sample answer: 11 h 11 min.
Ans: 10 h 40 min
